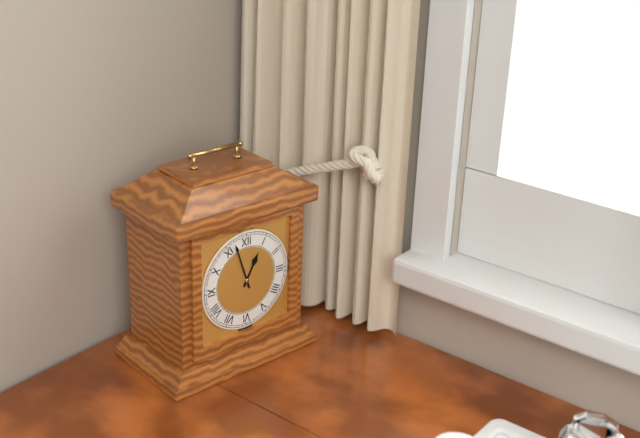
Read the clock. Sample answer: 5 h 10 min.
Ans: 12 h 57 min
